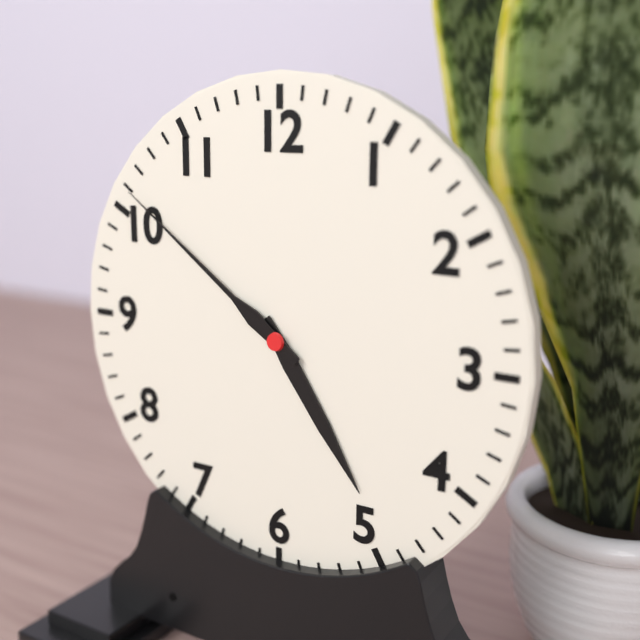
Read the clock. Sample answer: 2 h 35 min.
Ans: 4 h 51 min
